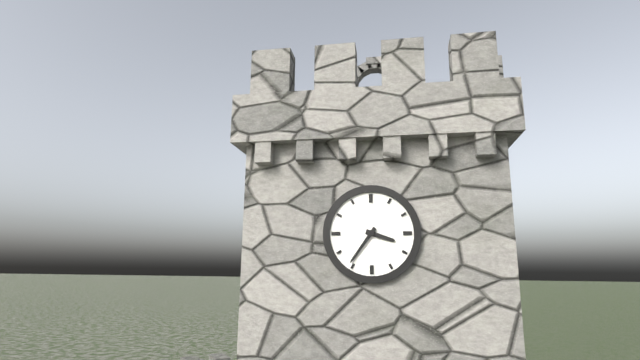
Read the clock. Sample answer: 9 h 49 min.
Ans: 3 h 36 min
